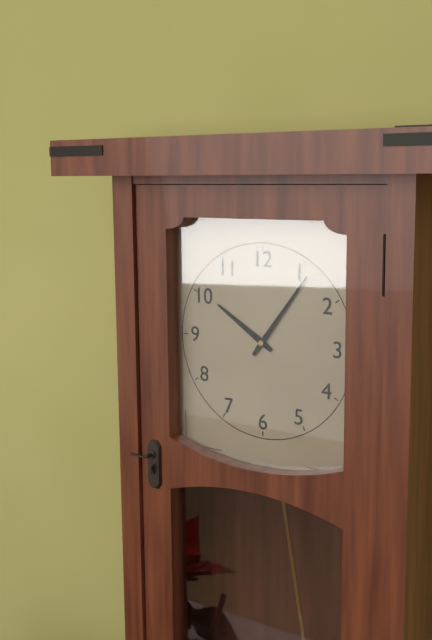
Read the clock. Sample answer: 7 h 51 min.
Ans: 10 h 06 min
